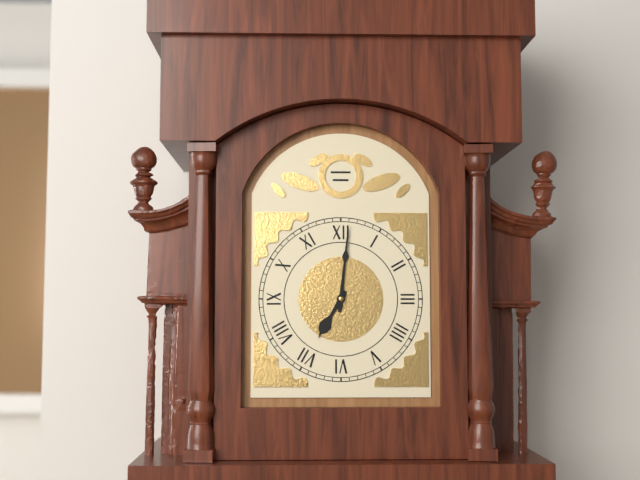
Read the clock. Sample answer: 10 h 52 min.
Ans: 7 h 01 min
